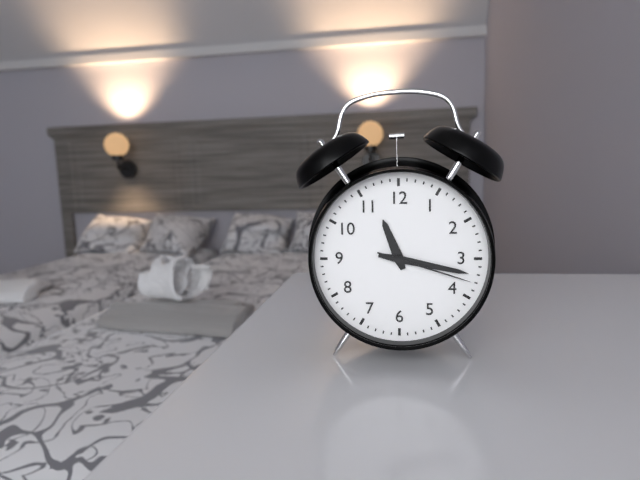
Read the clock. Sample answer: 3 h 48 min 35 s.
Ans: 11 h 17 min 18 s
